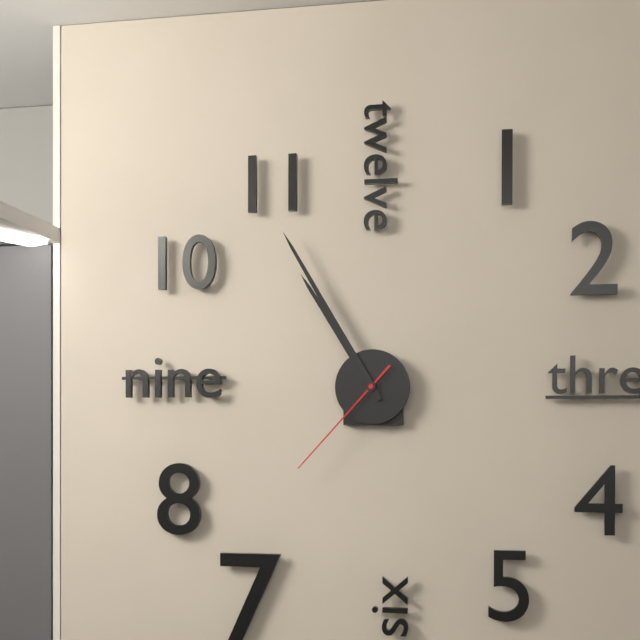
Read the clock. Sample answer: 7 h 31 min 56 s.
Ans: 10 h 55 min 37 s
